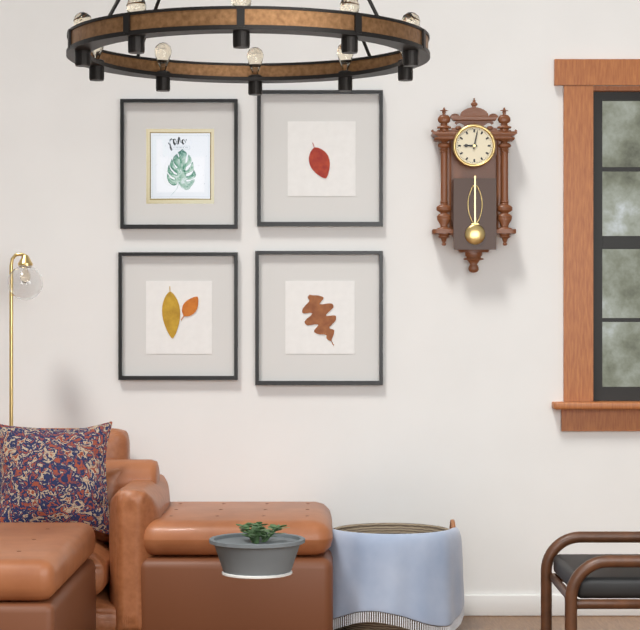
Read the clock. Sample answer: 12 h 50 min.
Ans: 9 h 02 min
